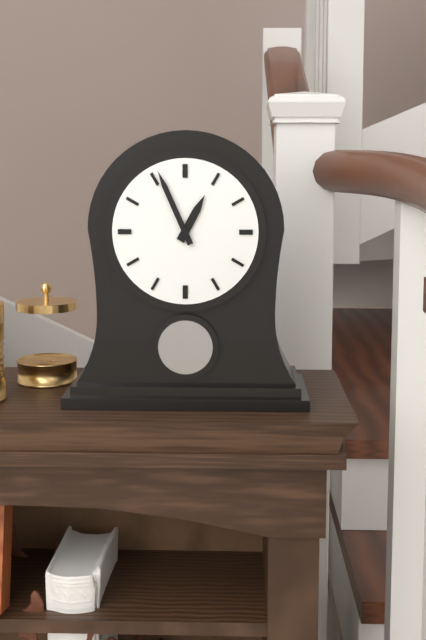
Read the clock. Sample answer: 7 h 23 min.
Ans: 12 h 56 min
